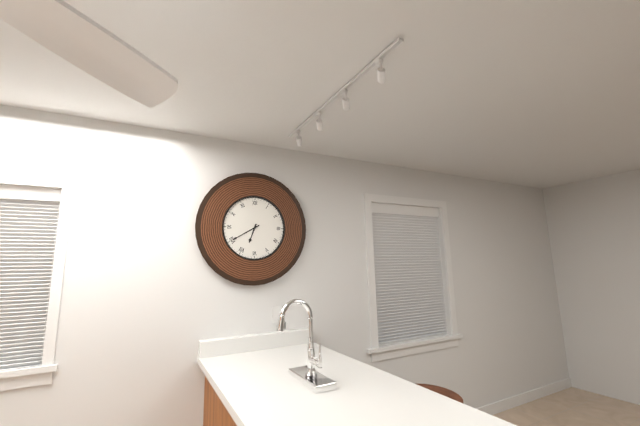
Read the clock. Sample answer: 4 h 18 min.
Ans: 6 h 40 min
